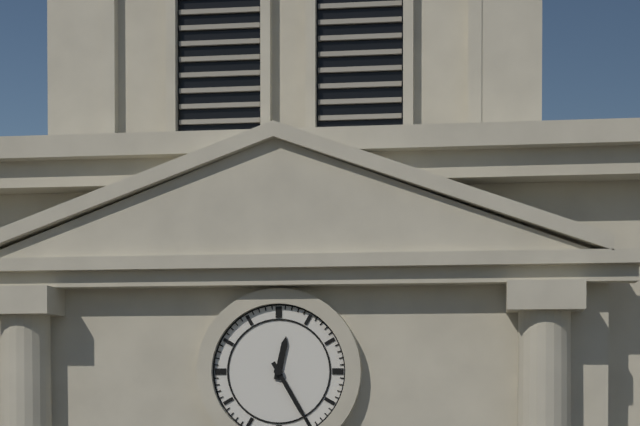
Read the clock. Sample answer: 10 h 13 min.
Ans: 12 h 25 min
